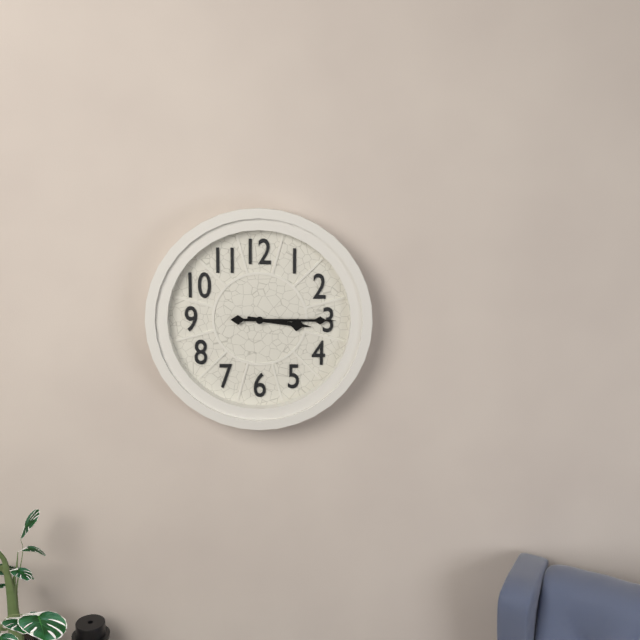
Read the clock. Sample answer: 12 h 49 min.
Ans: 3 h 15 min
